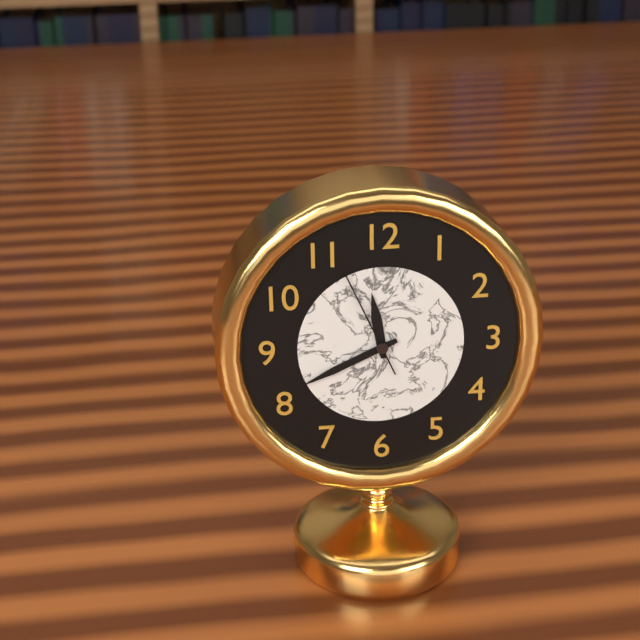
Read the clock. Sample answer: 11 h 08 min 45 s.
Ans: 11 h 41 min 56 s
